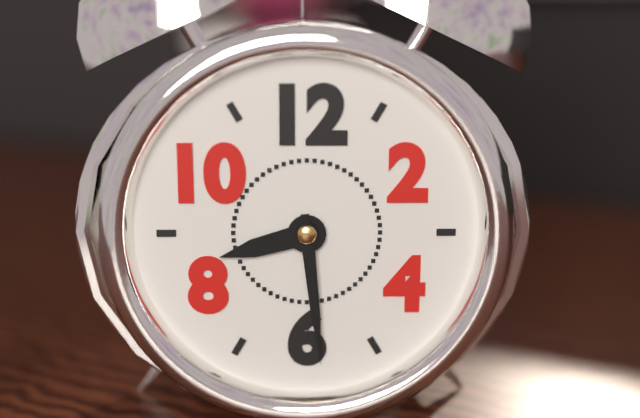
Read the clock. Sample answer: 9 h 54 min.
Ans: 8 h 29 min
